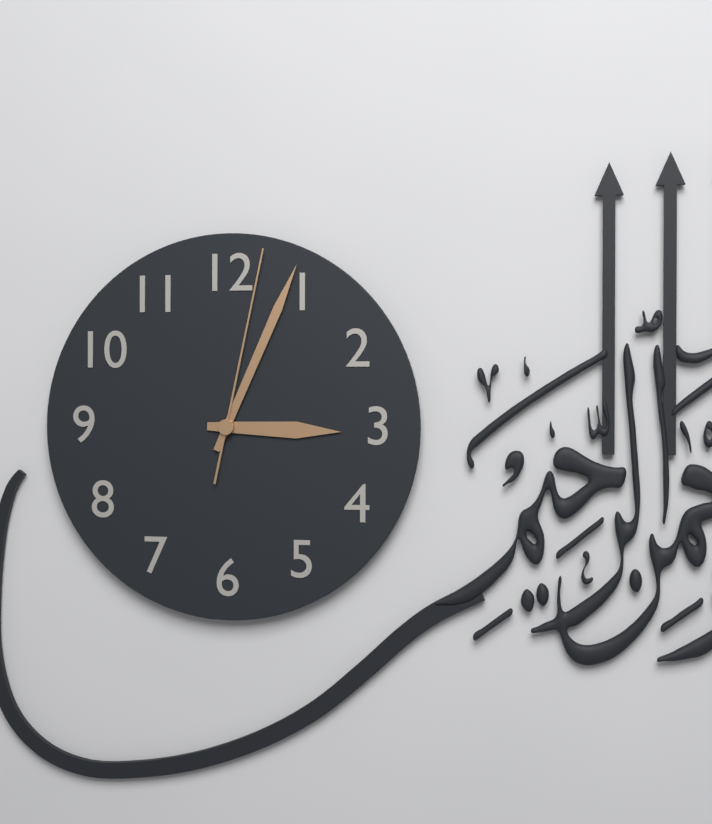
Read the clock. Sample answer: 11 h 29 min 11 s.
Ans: 3 h 04 min 02 s
